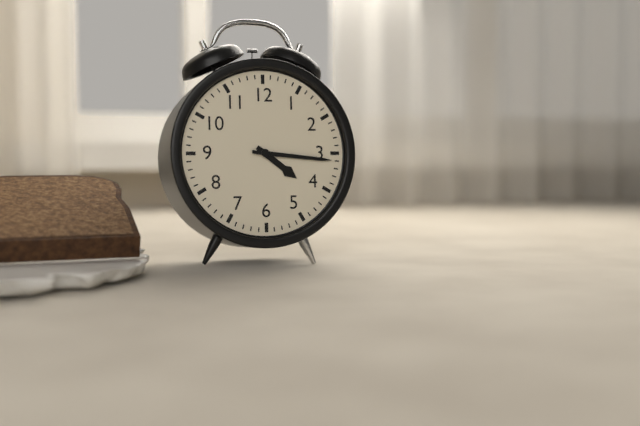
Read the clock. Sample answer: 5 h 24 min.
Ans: 4 h 16 min
